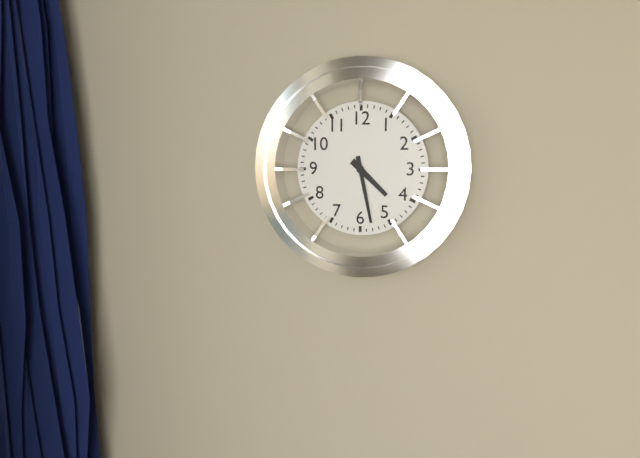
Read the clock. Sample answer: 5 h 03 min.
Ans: 4 h 28 min
